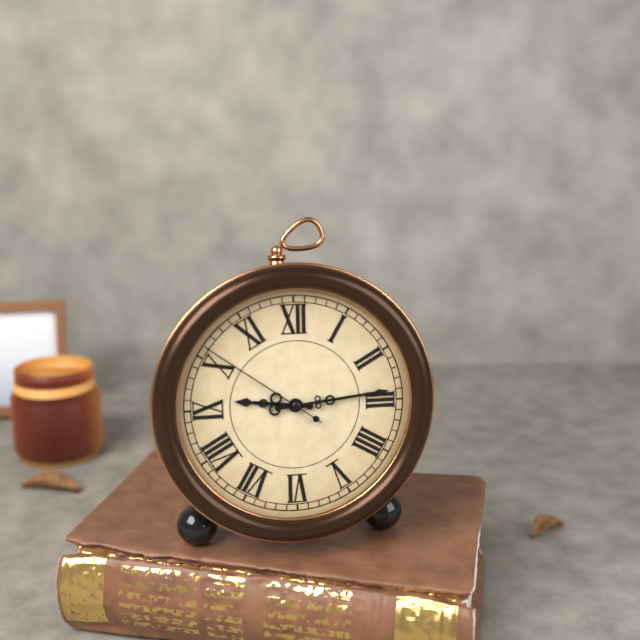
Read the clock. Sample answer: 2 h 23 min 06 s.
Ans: 9 h 14 min 51 s
